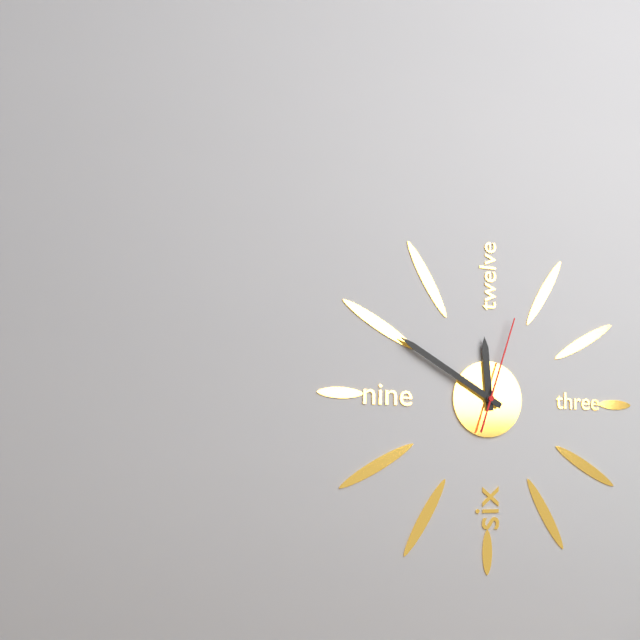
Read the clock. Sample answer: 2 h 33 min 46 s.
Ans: 11 h 50 min 03 s
